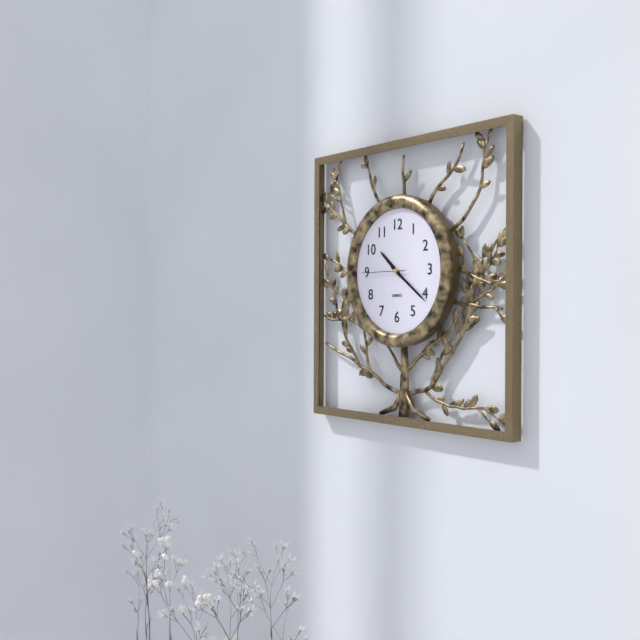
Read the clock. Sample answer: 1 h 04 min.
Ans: 10 h 21 min
